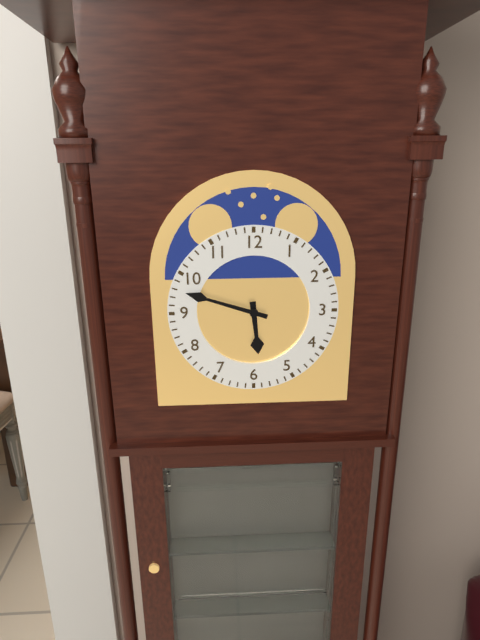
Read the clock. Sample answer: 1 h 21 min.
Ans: 5 h 48 min
